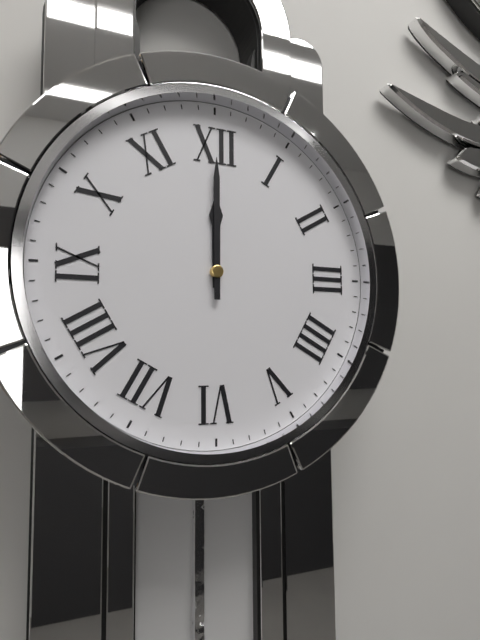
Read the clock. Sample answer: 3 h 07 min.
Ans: 12 h 00 min
